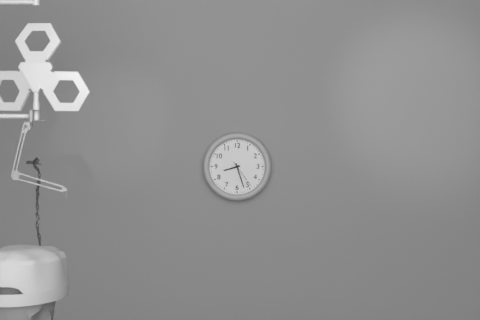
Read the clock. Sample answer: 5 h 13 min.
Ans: 8 h 27 min
